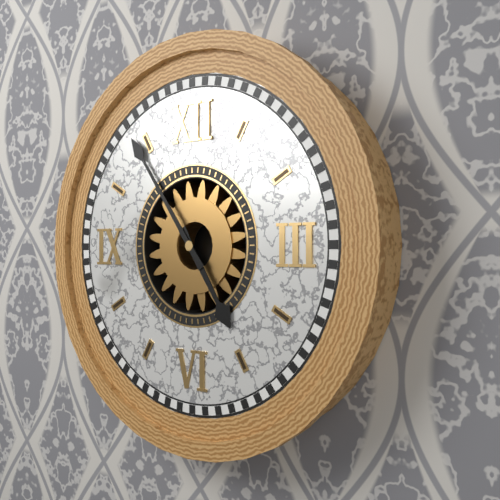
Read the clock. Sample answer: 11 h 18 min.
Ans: 4 h 54 min
